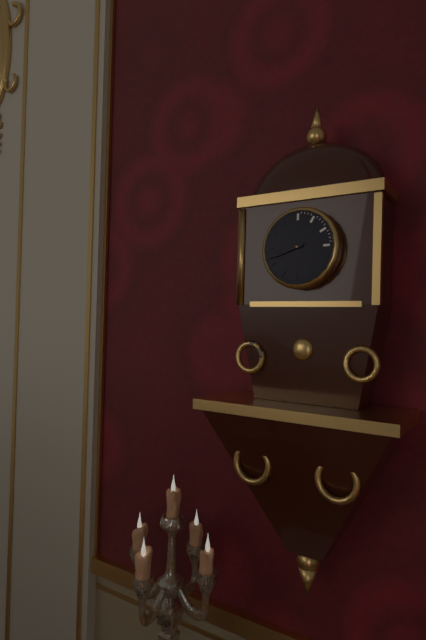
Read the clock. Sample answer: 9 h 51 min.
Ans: 8 h 42 min
